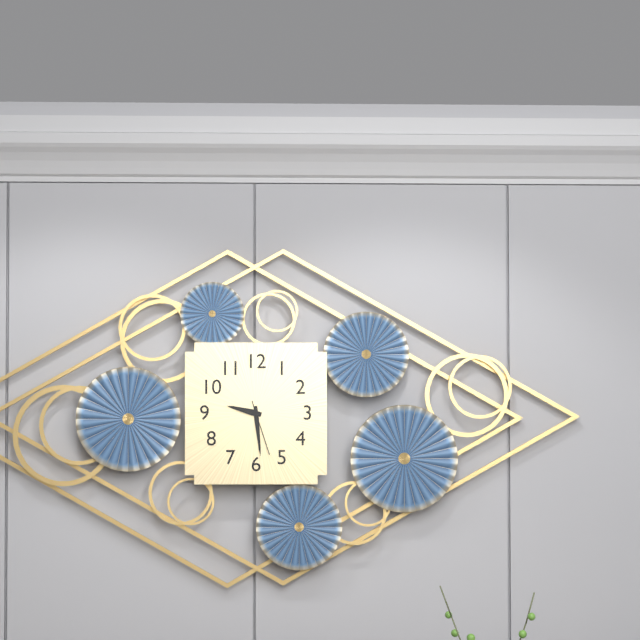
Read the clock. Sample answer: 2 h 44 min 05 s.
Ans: 9 h 29 min 27 s
